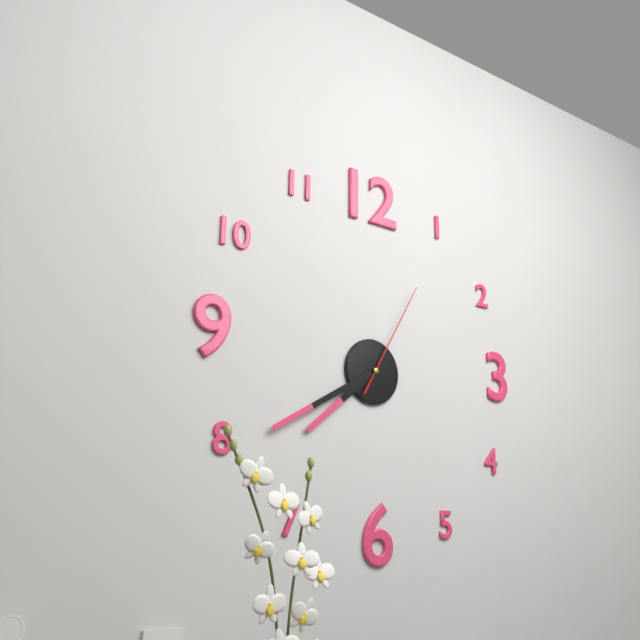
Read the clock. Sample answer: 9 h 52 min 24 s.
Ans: 7 h 40 min 05 s
